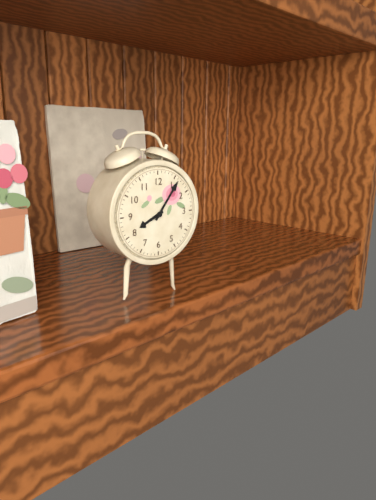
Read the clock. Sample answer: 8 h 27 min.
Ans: 8 h 06 min
